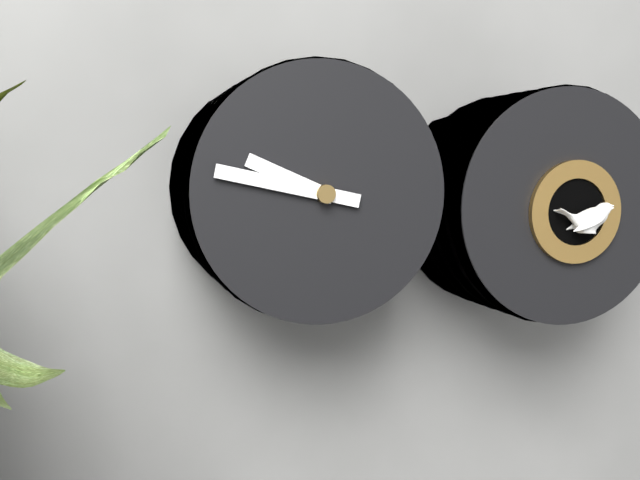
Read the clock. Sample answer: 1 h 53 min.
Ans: 9 h 47 min
